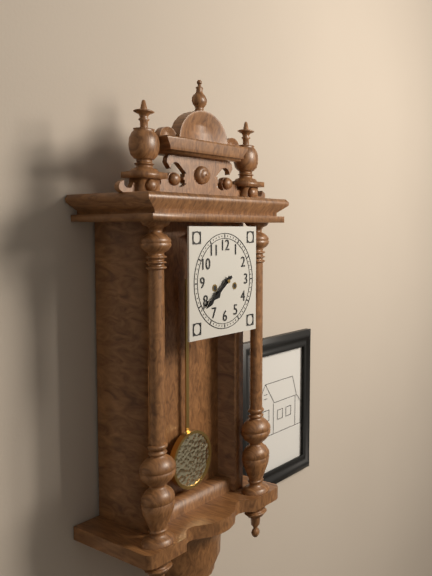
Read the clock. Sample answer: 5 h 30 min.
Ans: 7 h 39 min
